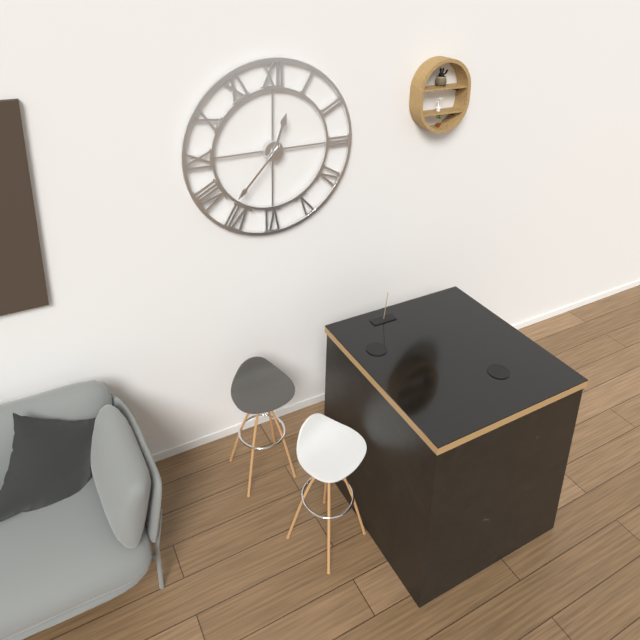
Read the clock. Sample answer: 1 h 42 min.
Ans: 12 h 37 min
